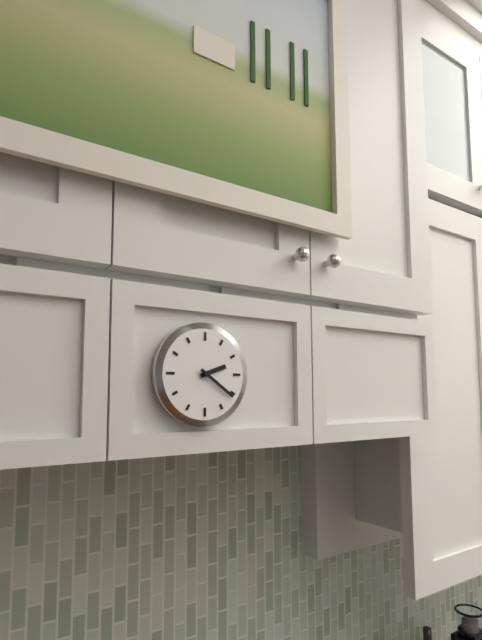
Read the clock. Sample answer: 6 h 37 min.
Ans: 2 h 21 min
